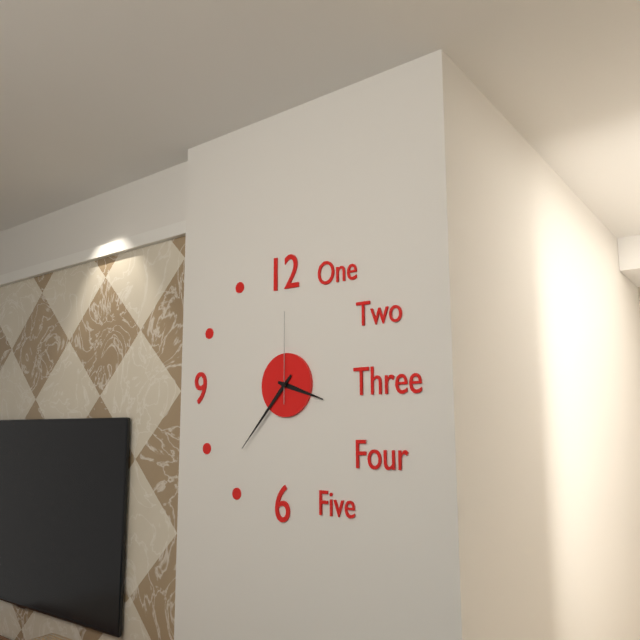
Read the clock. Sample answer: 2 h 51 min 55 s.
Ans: 3 h 37 min 00 s
